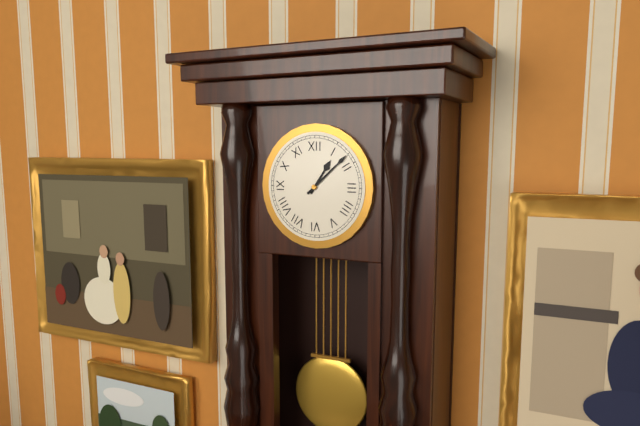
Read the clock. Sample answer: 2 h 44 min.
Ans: 1 h 08 min
